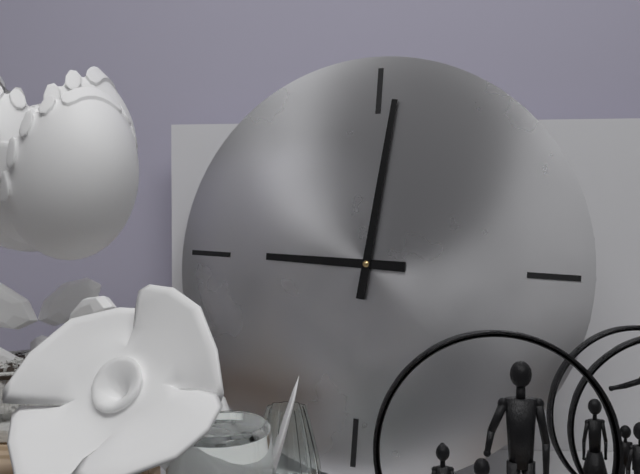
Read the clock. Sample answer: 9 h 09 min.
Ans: 9 h 01 min
